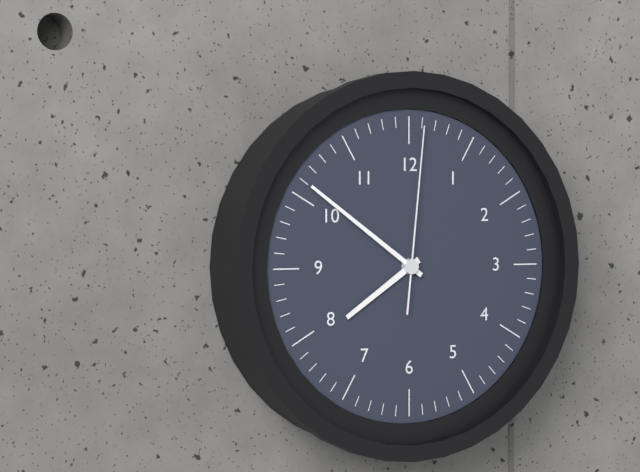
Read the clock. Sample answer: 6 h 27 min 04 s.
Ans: 7 h 51 min 01 s
